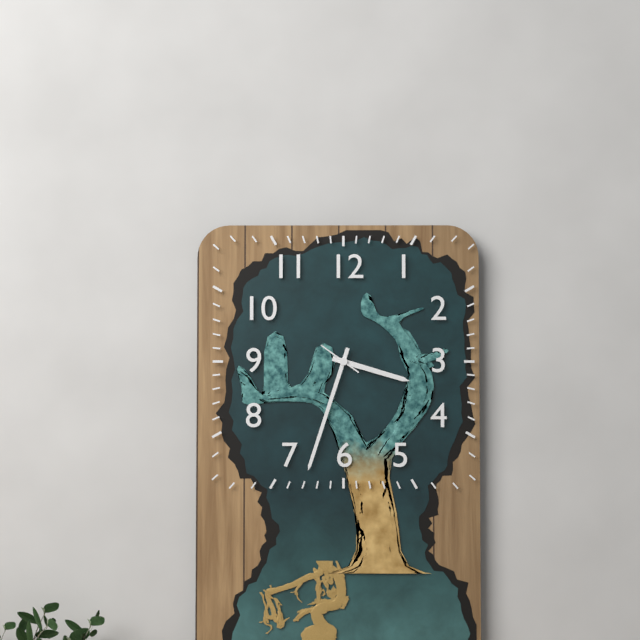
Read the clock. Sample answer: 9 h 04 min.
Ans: 3 h 33 min
